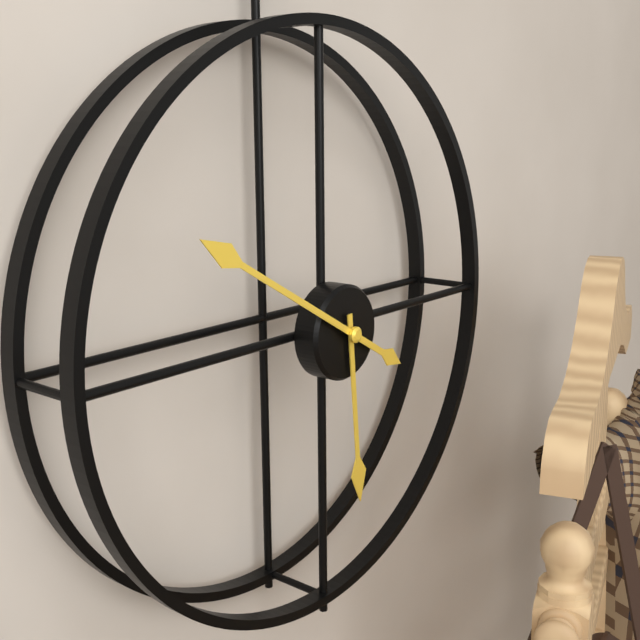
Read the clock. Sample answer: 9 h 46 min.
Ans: 5 h 50 min
